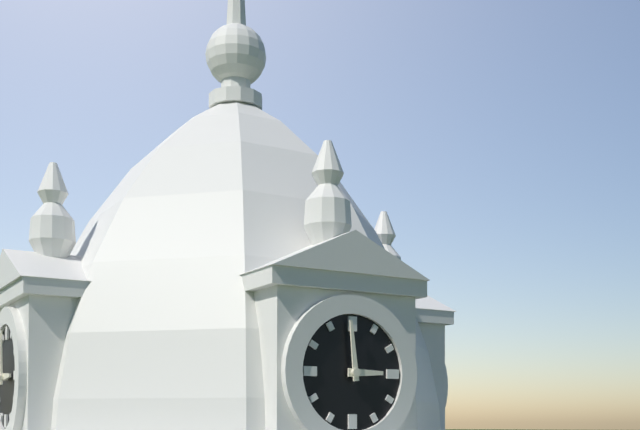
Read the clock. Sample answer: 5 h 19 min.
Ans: 2 h 59 min
